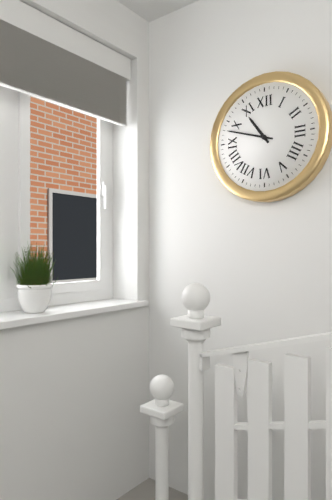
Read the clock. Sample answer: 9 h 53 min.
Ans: 10 h 48 min
